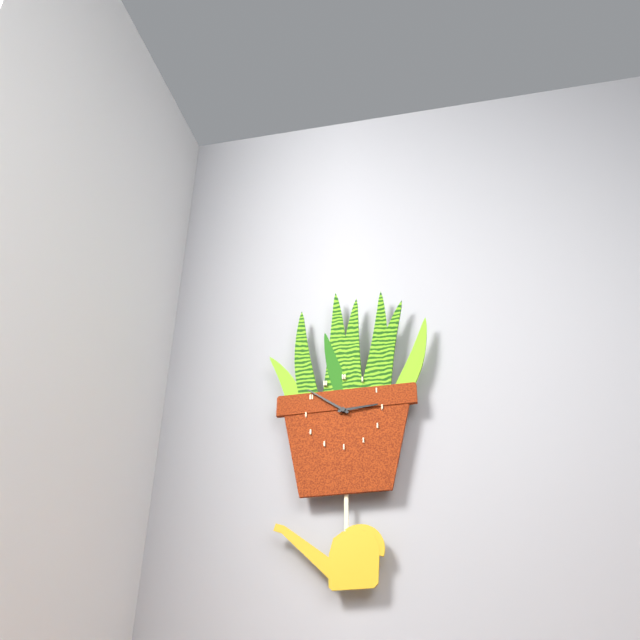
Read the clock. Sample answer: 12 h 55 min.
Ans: 2 h 51 min
